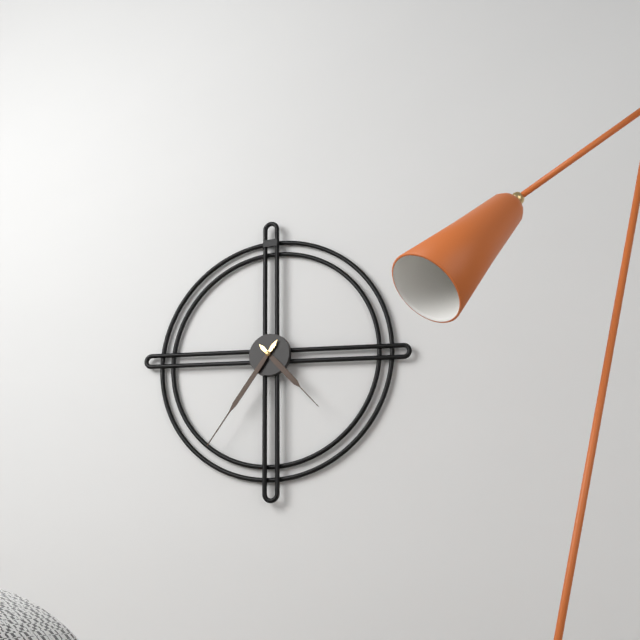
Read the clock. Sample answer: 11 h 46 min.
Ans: 4 h 36 min
